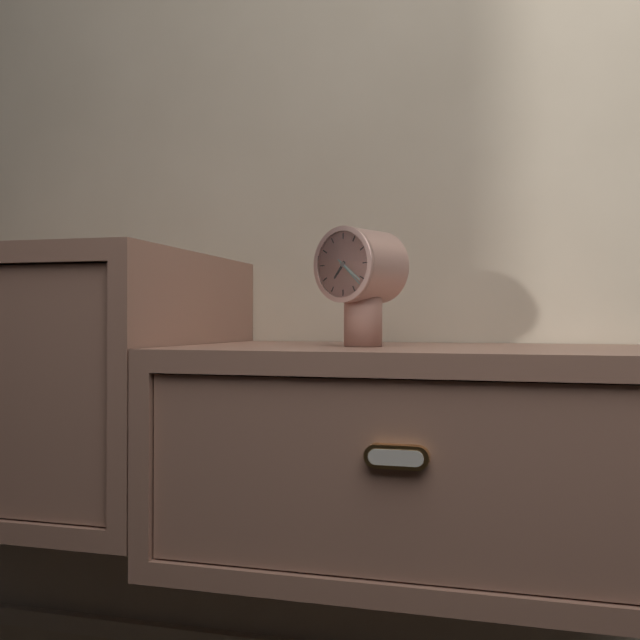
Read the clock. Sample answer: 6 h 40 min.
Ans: 7 h 21 min
